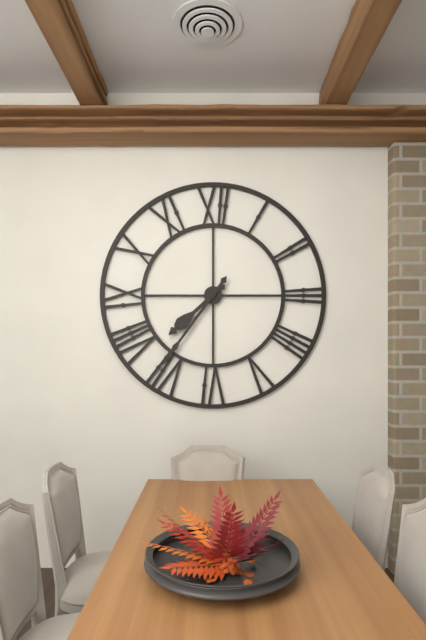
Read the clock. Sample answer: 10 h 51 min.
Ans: 7 h 36 min
